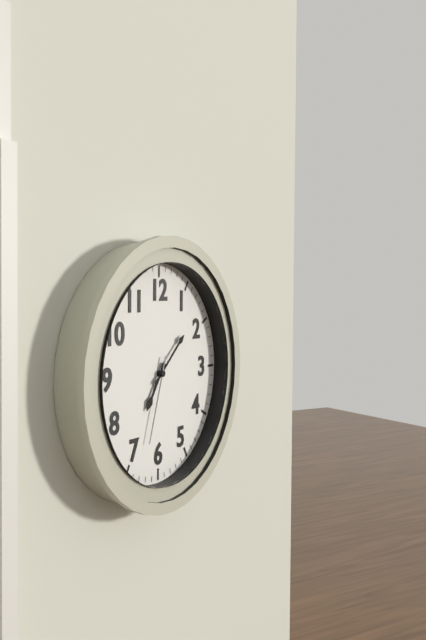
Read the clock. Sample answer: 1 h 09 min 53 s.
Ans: 7 h 08 min 33 s
